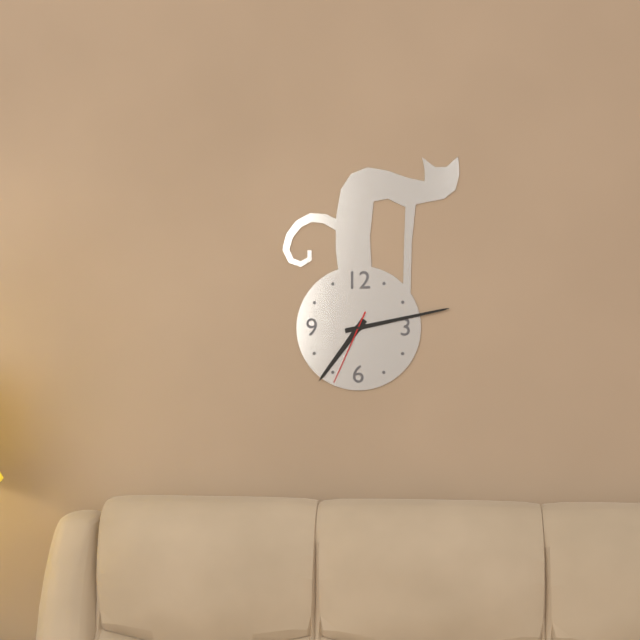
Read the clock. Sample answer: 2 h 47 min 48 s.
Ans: 7 h 13 min 34 s
